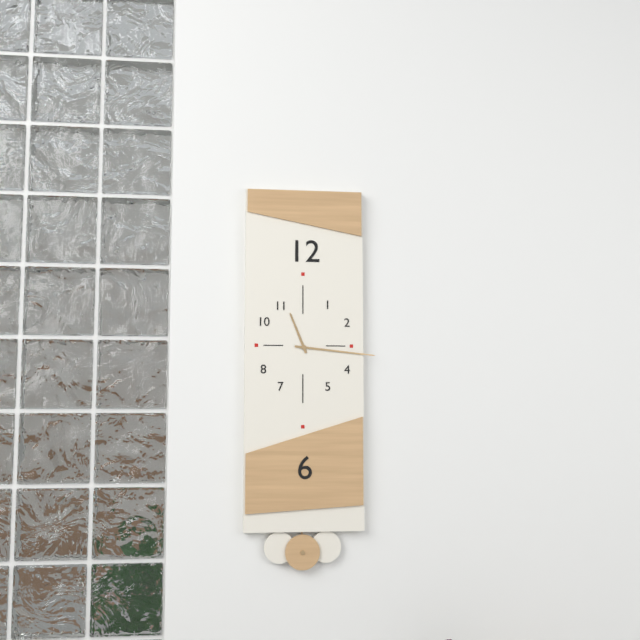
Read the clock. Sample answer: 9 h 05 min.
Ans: 11 h 16 min
